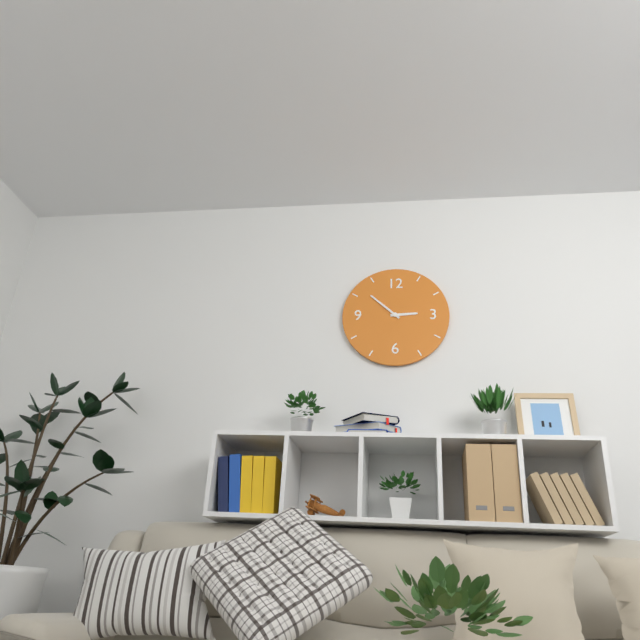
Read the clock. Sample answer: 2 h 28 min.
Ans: 2 h 52 min
